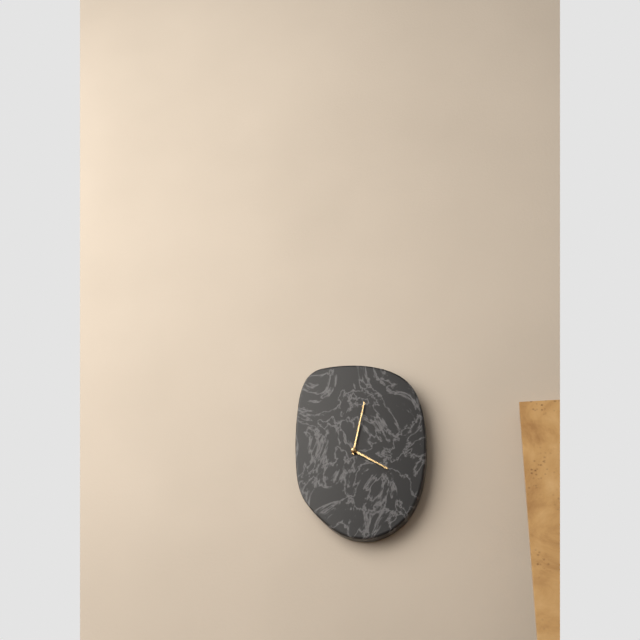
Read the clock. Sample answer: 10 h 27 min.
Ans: 4 h 02 min
